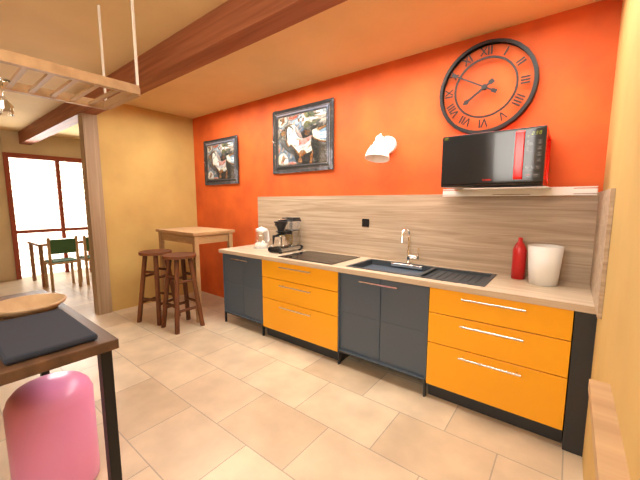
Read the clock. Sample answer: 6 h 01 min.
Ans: 7 h 50 min
